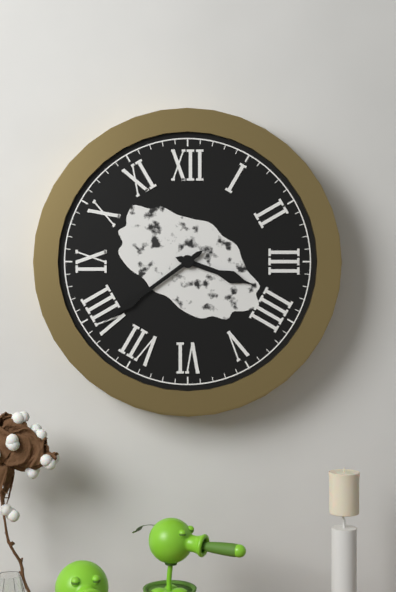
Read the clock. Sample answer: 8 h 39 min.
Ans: 3 h 39 min
